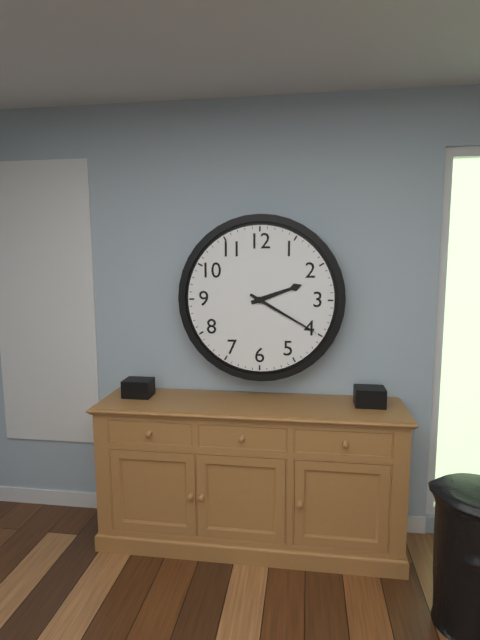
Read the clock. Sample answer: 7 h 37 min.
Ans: 2 h 20 min
